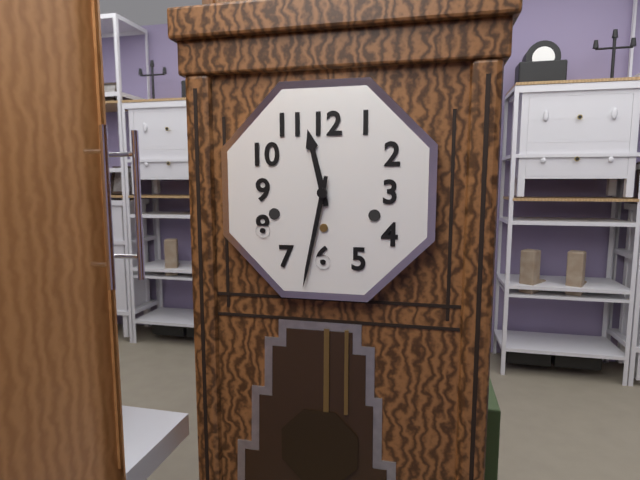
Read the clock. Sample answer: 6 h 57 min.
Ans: 11 h 32 min
